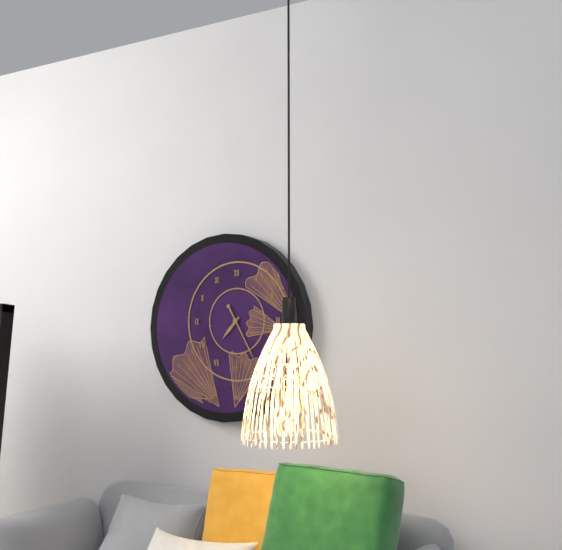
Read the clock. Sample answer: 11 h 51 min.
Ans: 7 h 25 min
